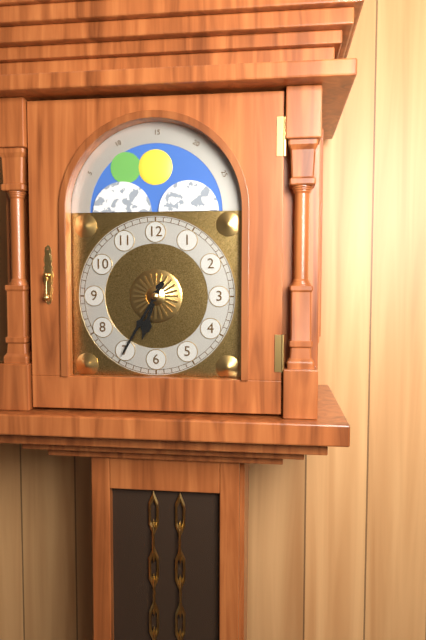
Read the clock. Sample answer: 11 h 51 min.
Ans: 6 h 35 min
